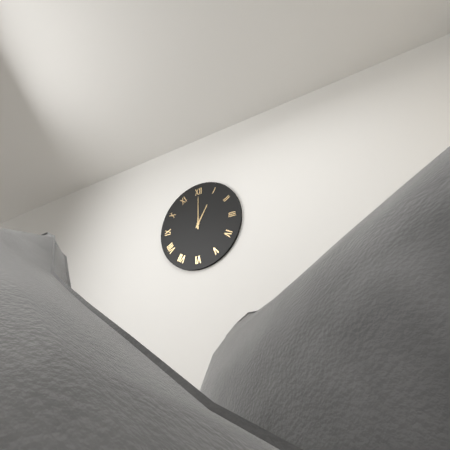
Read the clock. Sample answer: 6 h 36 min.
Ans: 1 h 00 min
